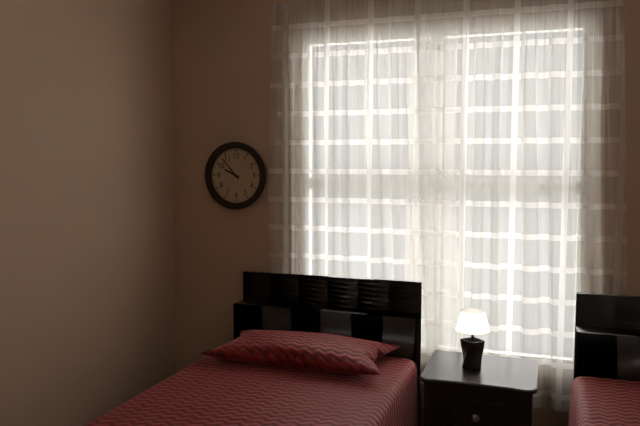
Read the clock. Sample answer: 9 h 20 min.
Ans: 9 h 53 min
